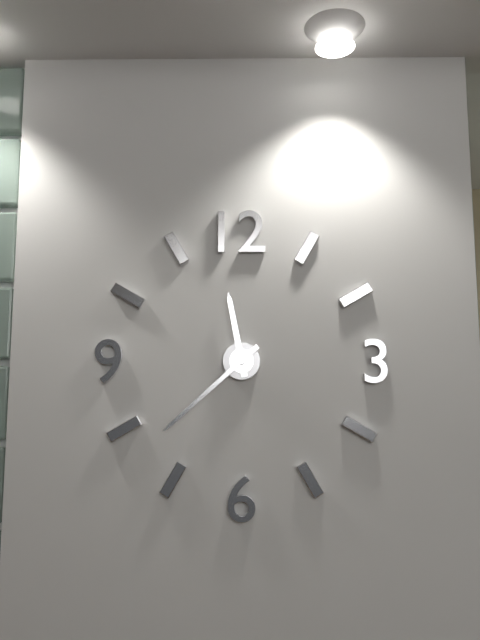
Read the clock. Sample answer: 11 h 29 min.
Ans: 11 h 38 min
